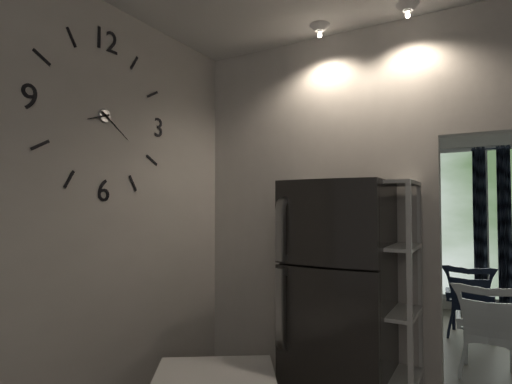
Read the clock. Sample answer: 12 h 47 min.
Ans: 8 h 21 min
